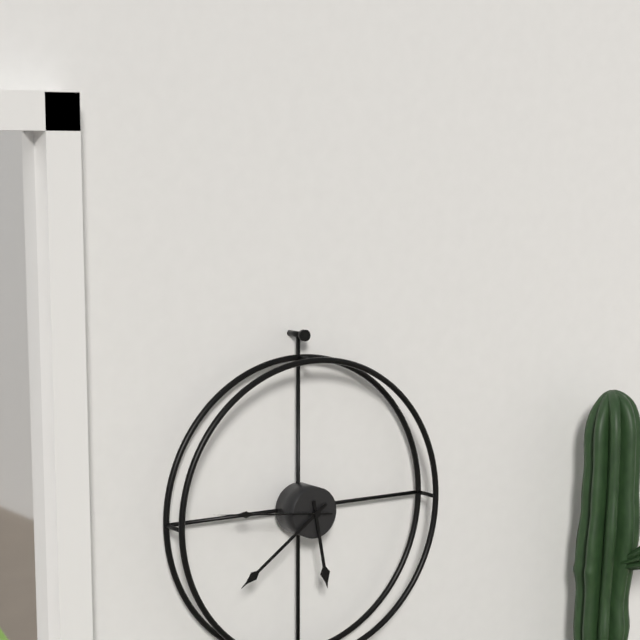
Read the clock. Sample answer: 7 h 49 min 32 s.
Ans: 5 h 39 min 46 s
